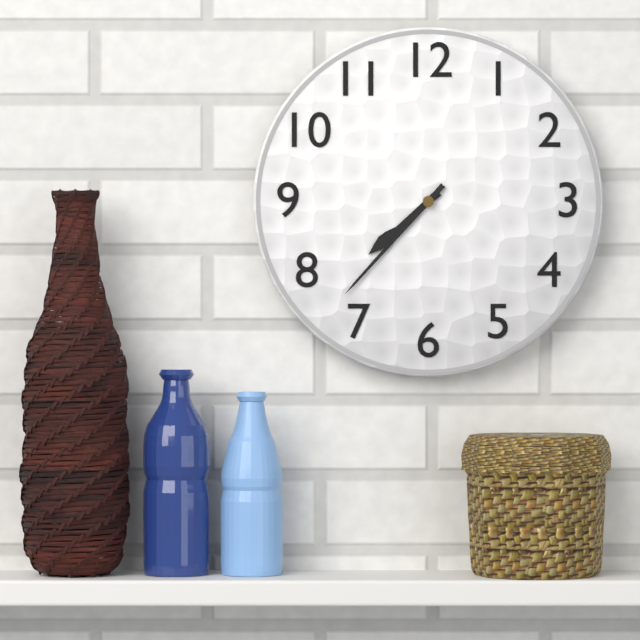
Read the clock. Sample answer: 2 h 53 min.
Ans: 7 h 37 min
